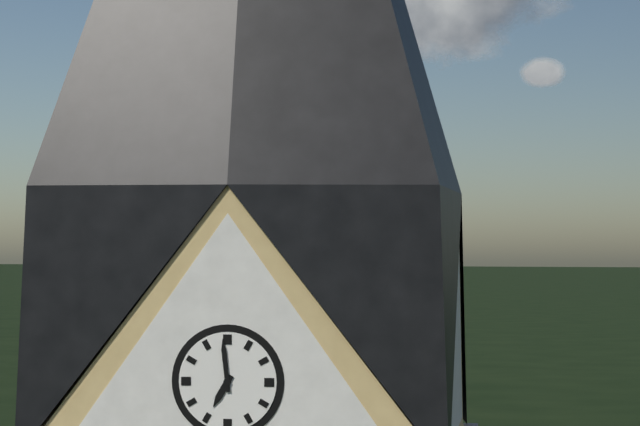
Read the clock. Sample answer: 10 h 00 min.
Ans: 6 h 59 min
